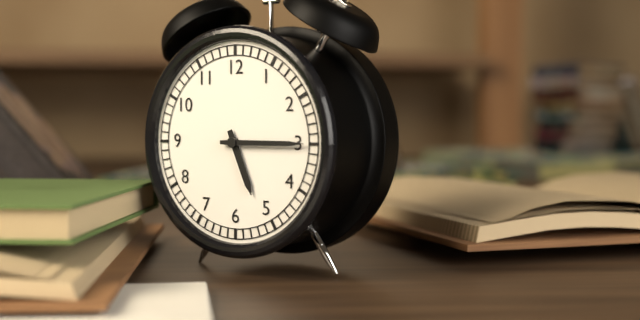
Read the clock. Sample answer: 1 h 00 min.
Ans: 5 h 15 min
